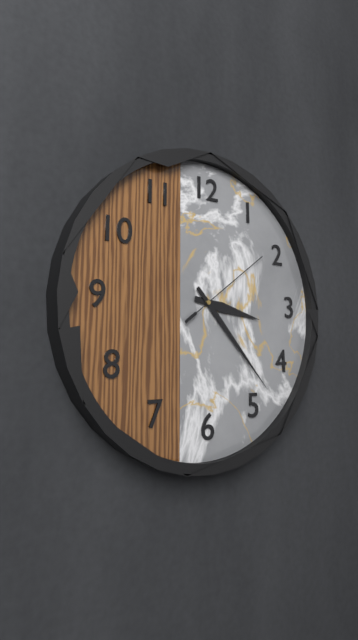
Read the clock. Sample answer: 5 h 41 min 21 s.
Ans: 3 h 23 min 09 s
